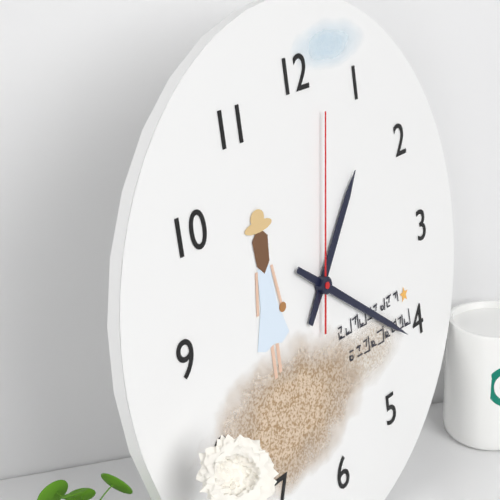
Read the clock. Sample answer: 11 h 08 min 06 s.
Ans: 1 h 21 min 02 s
